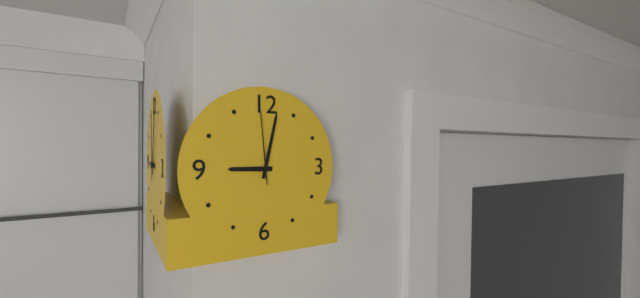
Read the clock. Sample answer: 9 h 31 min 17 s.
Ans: 9 h 02 min 59 s
